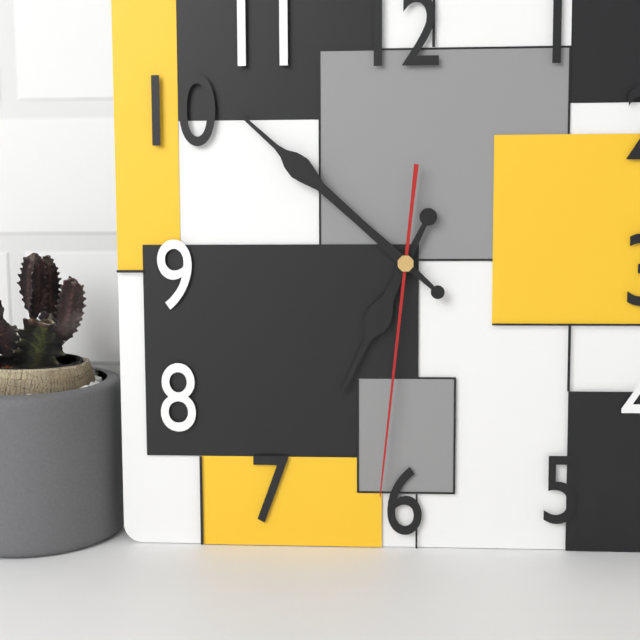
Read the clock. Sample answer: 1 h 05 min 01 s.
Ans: 6 h 52 min 31 s
